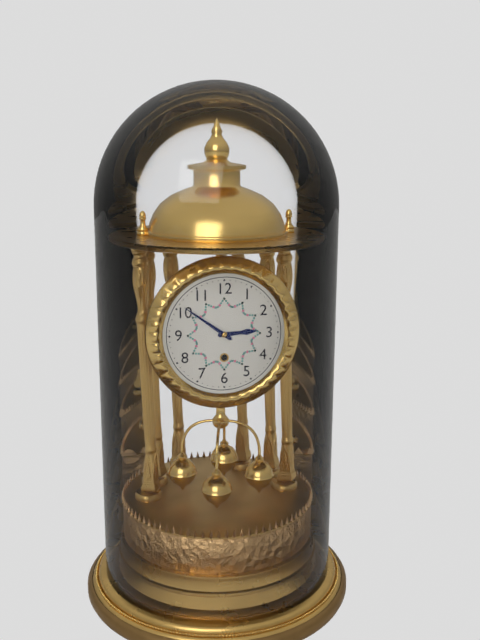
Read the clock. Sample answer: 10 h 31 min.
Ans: 2 h 51 min
